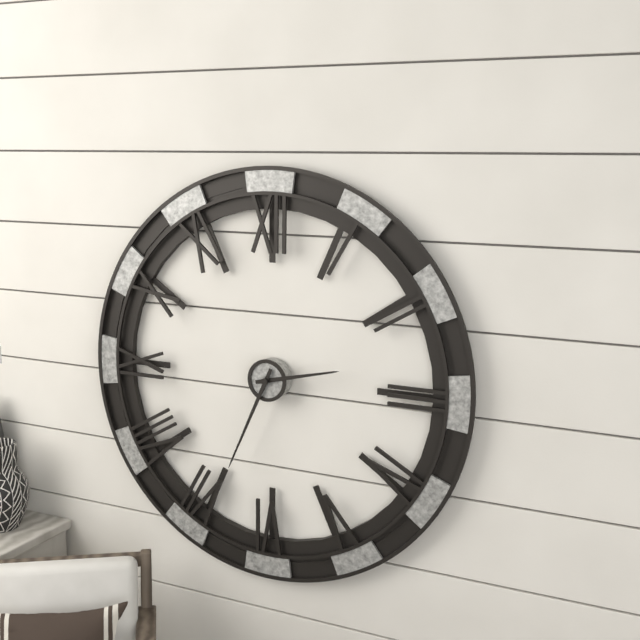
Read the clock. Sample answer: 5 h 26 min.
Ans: 2 h 34 min
